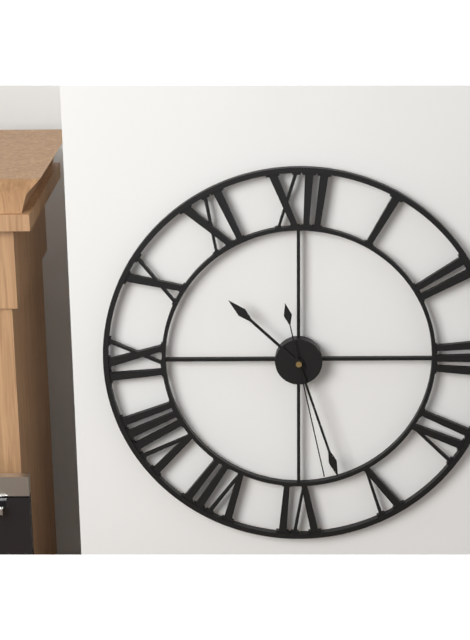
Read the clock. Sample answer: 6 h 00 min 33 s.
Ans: 10 h 27 min 28 s
